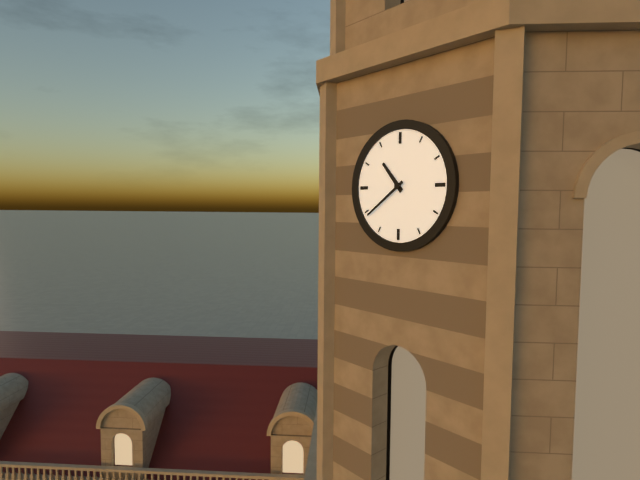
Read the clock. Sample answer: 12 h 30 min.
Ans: 10 h 39 min
